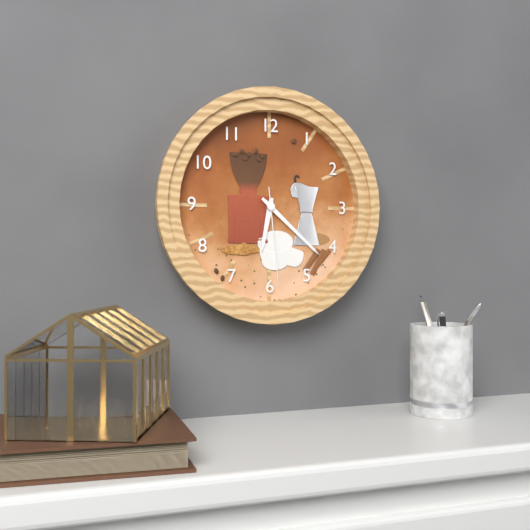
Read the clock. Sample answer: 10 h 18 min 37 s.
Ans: 6 h 22 min 29 s
